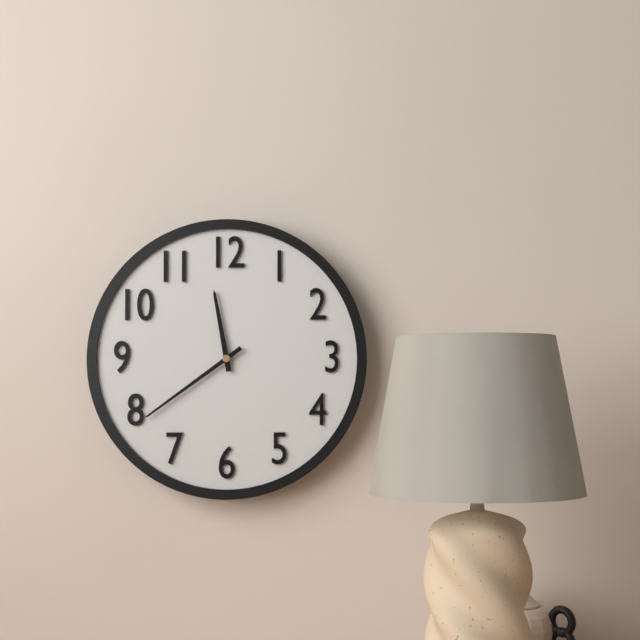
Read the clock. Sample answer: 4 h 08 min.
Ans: 11 h 39 min
